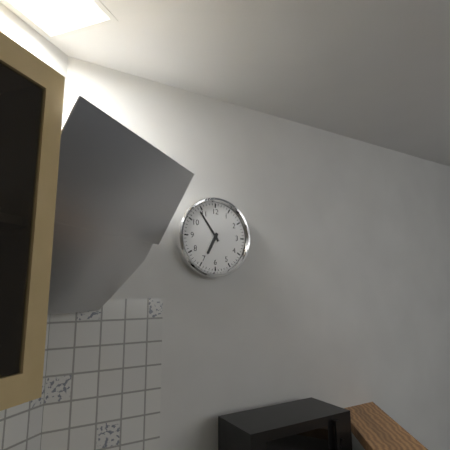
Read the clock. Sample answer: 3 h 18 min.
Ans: 6 h 54 min
